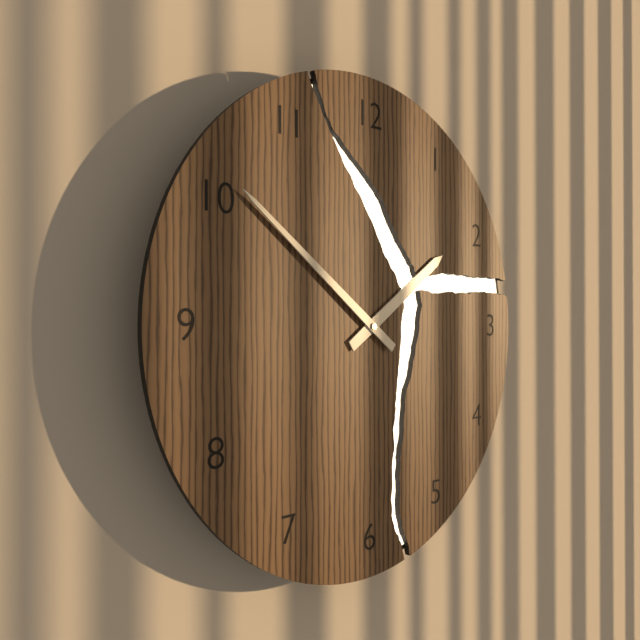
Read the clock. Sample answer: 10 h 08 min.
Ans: 1 h 51 min
